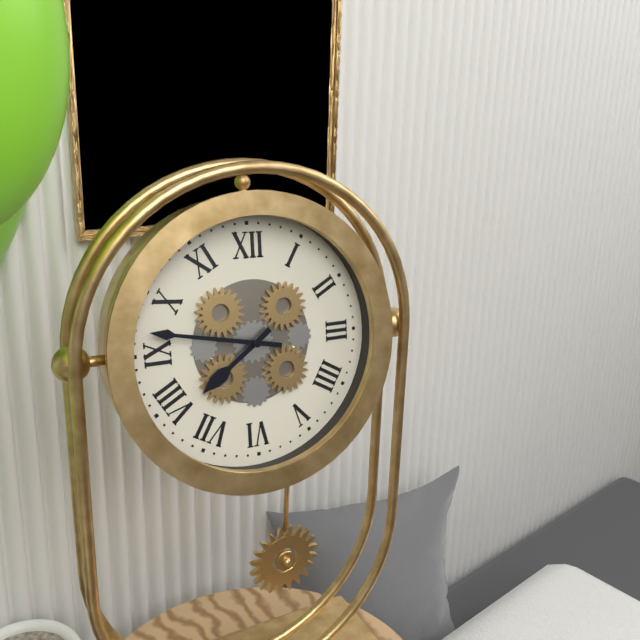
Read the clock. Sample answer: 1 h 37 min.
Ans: 7 h 47 min
